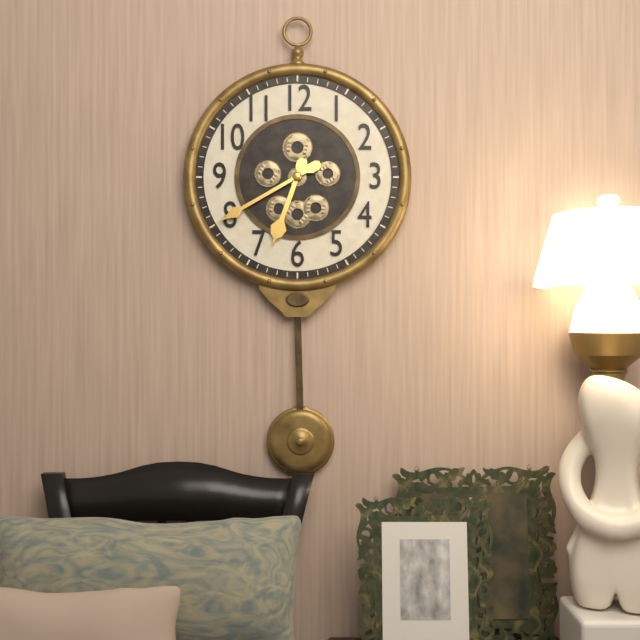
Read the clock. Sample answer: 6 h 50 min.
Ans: 6 h 40 min
